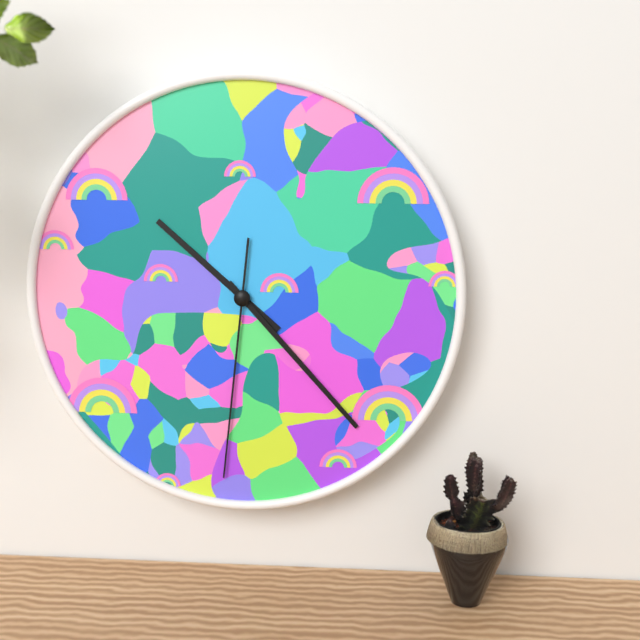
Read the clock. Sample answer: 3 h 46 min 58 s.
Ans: 10 h 23 min 31 s
